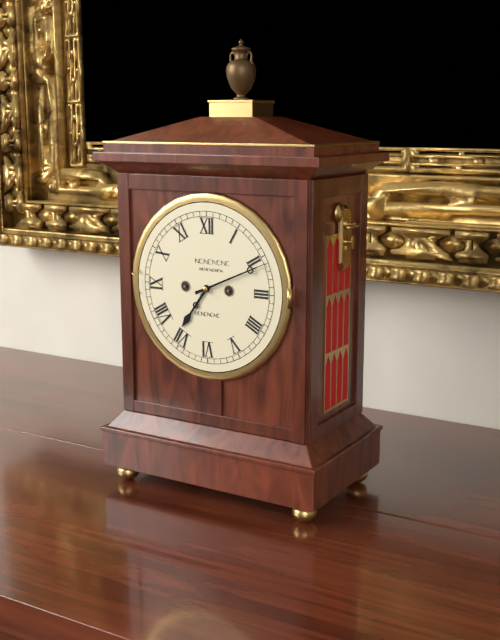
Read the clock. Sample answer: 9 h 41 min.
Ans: 7 h 11 min
